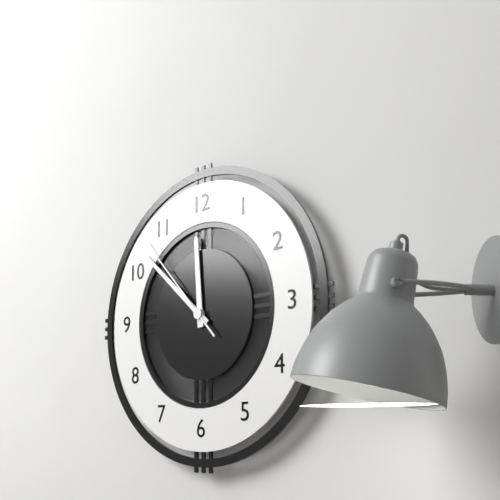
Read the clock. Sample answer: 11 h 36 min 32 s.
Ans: 11 h 52 min 53 s
